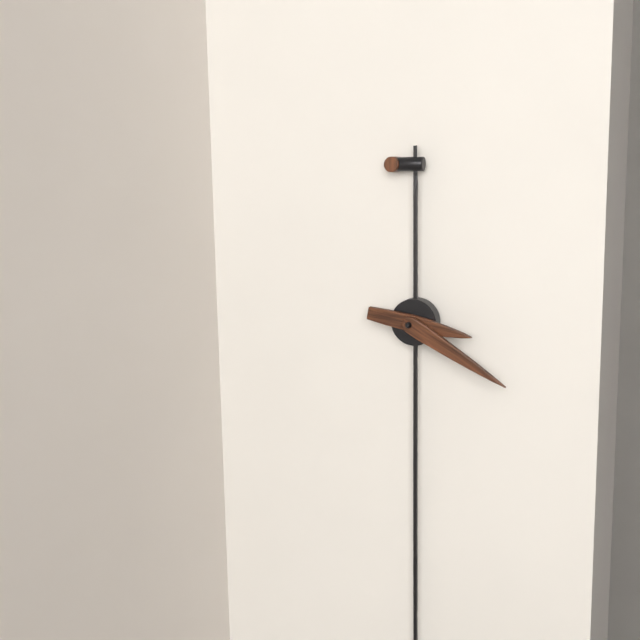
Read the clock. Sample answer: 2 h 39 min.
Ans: 3 h 20 min
